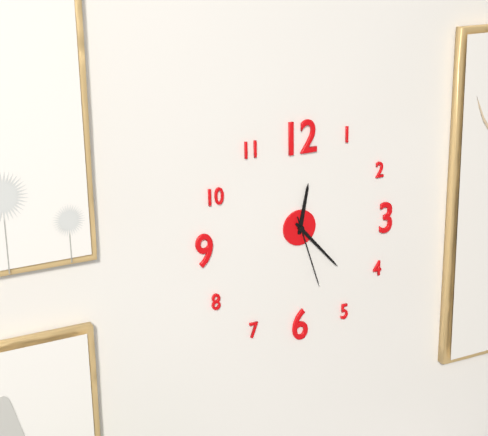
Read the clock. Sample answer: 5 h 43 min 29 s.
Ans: 12 h 23 min 27 s
